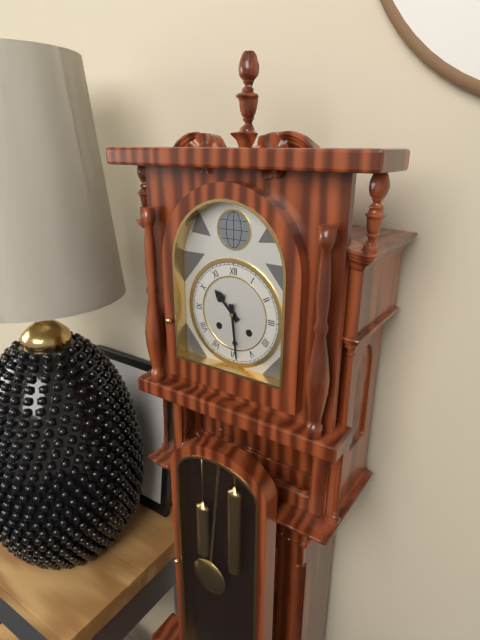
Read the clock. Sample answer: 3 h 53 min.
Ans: 10 h 29 min
